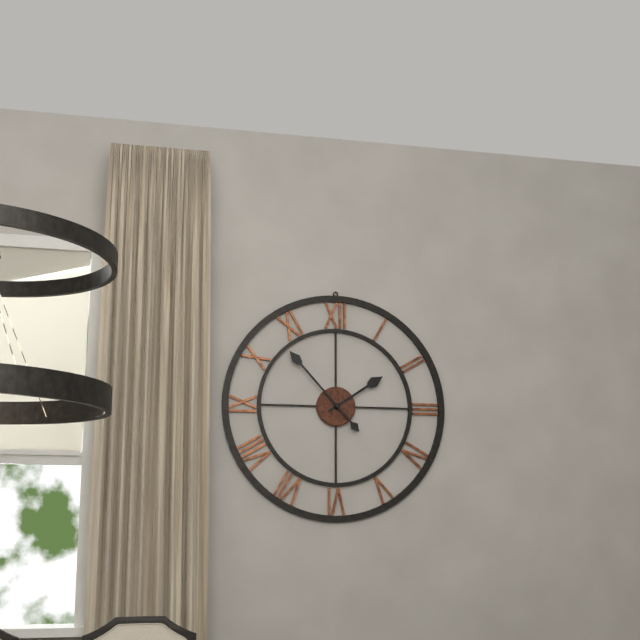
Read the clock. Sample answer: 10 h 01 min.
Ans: 1 h 53 min
